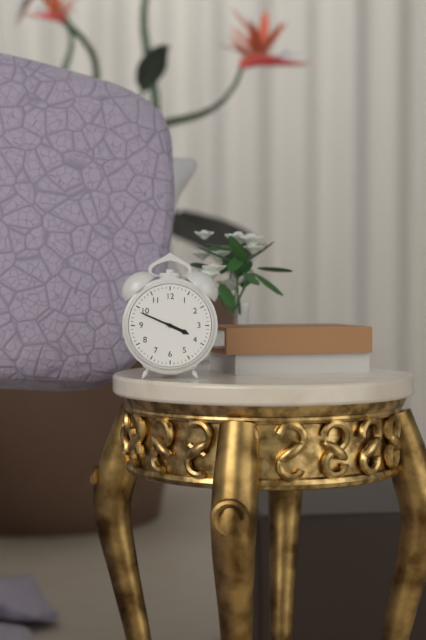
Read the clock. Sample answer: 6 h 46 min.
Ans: 3 h 49 min
